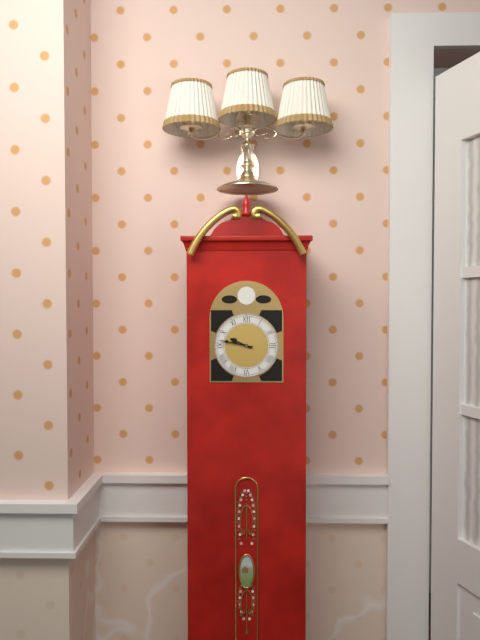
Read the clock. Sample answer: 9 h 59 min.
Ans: 9 h 47 min
